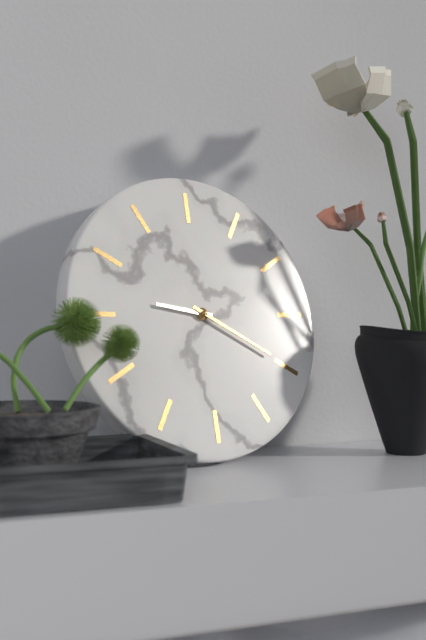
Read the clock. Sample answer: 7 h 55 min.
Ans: 9 h 20 min
